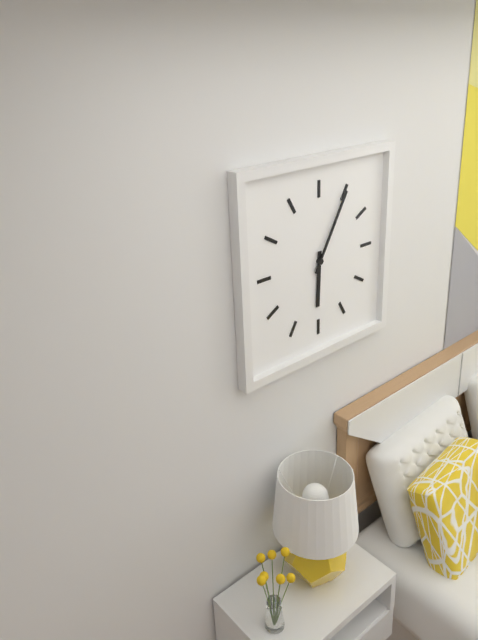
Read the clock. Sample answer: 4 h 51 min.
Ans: 6 h 05 min
